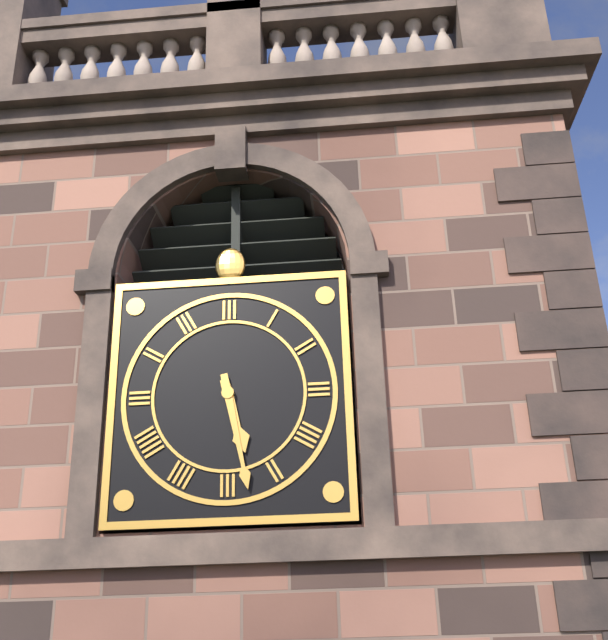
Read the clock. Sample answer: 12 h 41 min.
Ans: 5 h 28 min
